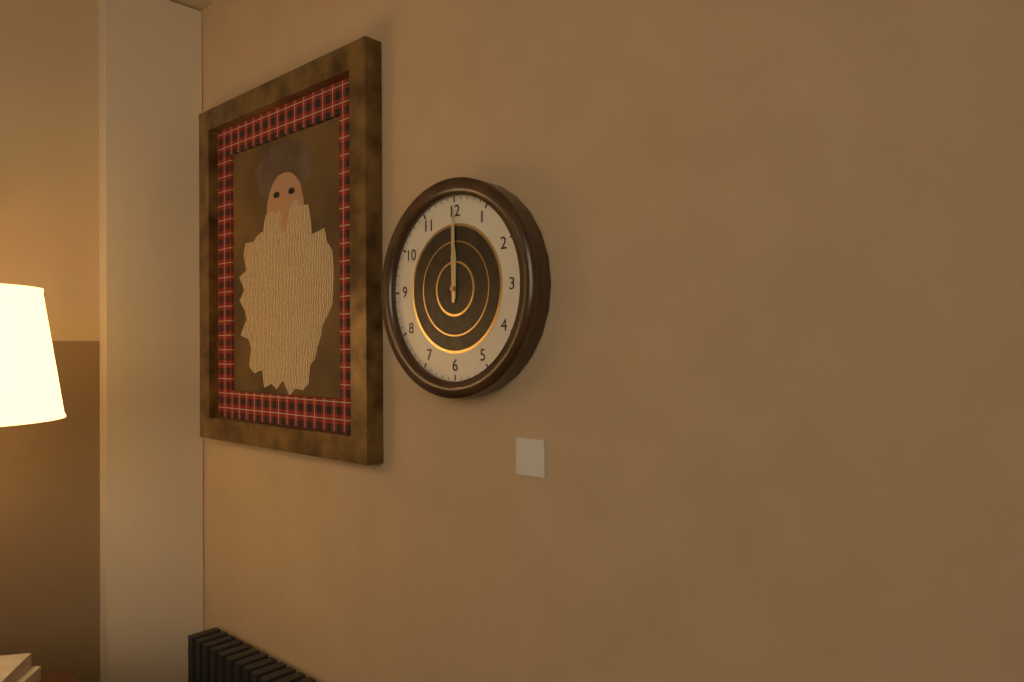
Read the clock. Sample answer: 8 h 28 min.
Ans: 12 h 00 min
